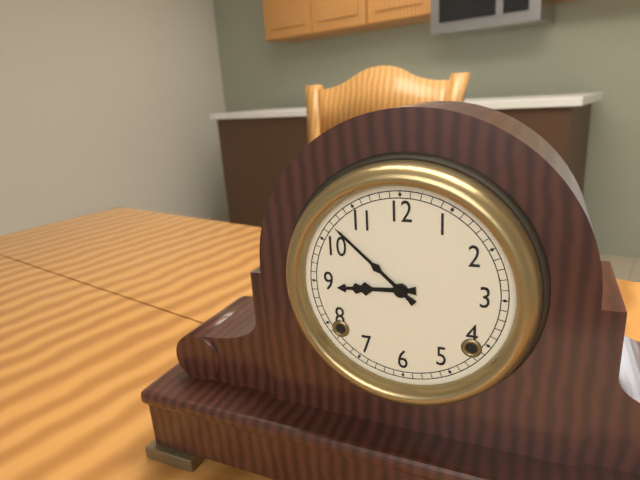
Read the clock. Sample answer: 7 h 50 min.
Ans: 8 h 52 min
